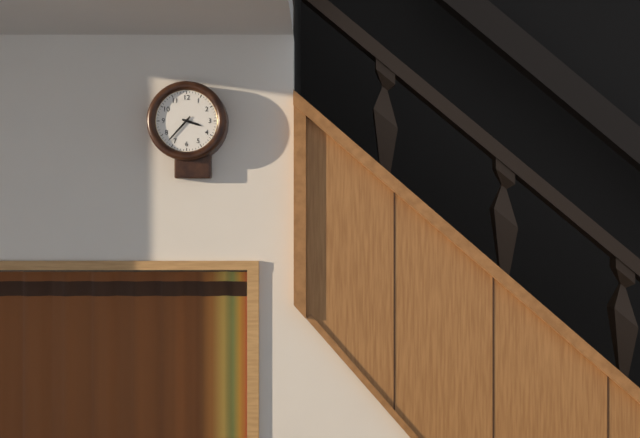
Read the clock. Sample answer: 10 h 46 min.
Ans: 3 h 37 min
